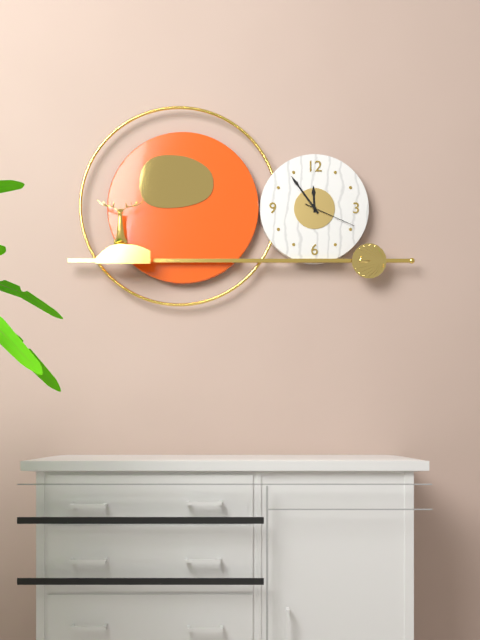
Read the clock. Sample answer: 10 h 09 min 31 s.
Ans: 11 h 54 min 19 s
